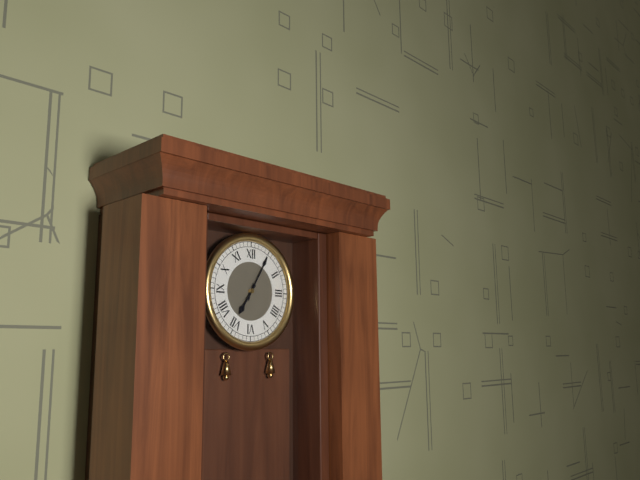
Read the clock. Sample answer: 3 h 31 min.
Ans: 7 h 05 min
